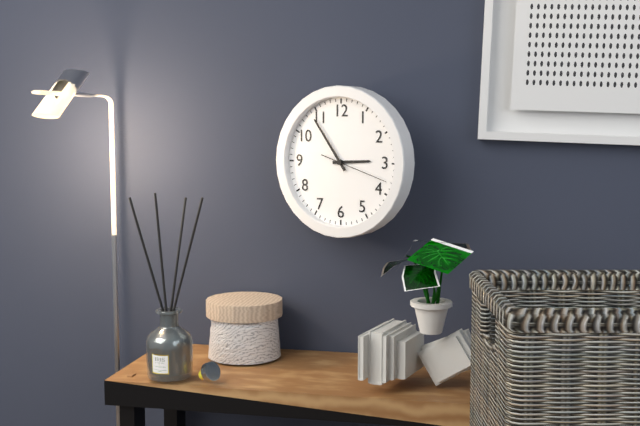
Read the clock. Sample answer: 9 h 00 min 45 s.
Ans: 2 h 54 min 18 s
